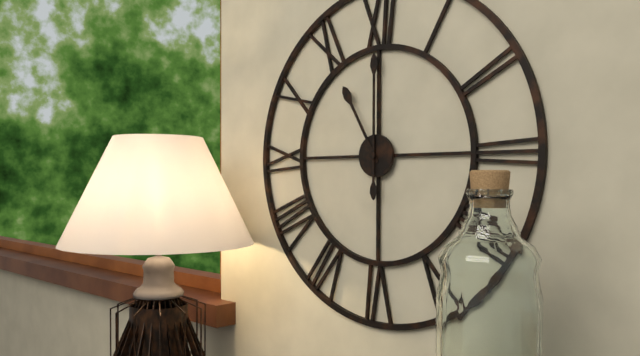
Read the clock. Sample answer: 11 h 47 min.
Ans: 11 h 00 min
